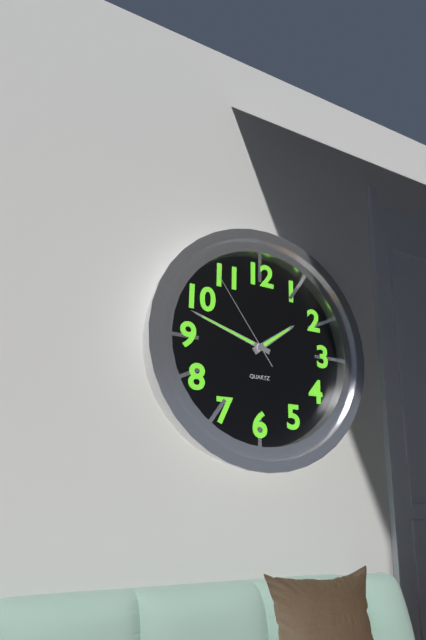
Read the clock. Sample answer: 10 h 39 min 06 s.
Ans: 1 h 48 min 54 s
